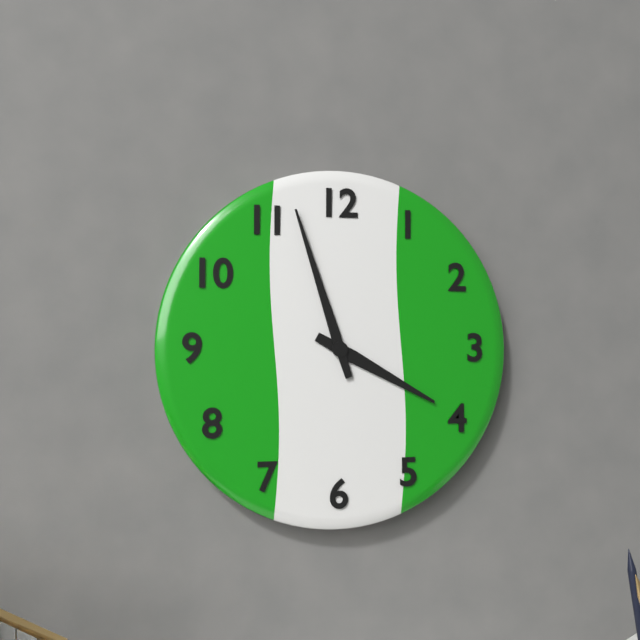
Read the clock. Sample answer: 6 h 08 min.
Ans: 3 h 57 min
